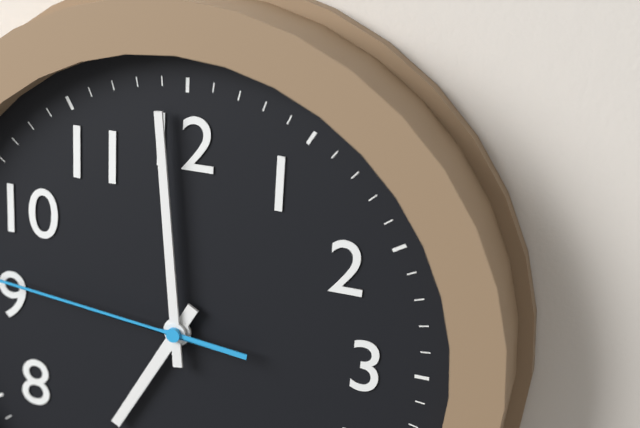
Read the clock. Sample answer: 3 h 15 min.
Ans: 6 h 59 min
